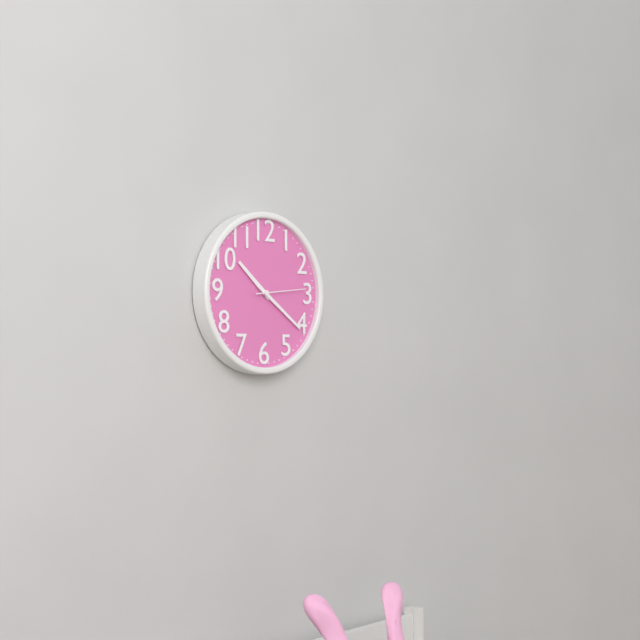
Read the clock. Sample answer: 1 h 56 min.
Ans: 10 h 21 min
